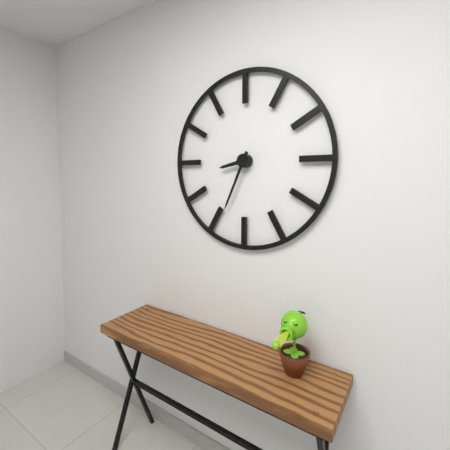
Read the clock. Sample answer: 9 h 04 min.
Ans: 8 h 34 min
